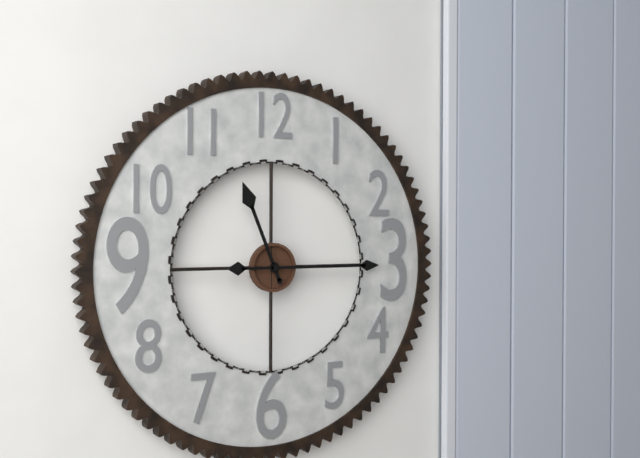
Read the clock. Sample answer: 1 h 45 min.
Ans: 11 h 15 min
